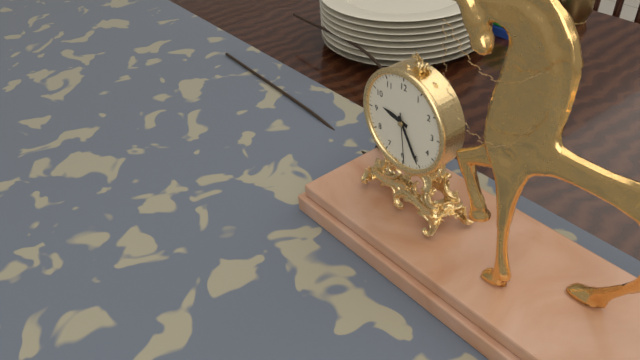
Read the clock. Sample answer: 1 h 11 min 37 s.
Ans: 9 h 25 min 29 s
